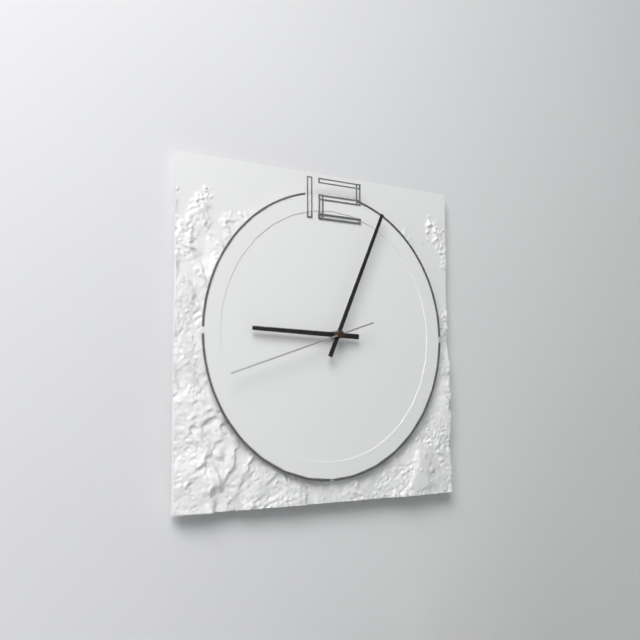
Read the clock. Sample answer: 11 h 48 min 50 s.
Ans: 9 h 04 min 42 s
